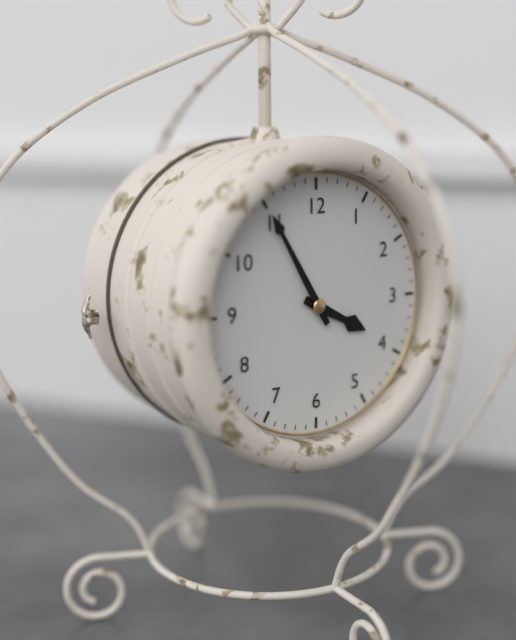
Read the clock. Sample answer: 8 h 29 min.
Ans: 3 h 55 min
